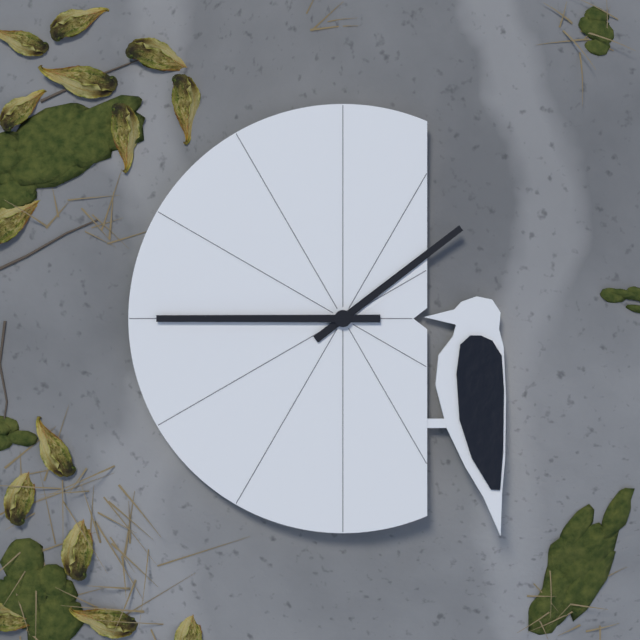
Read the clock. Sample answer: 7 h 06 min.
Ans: 1 h 45 min
